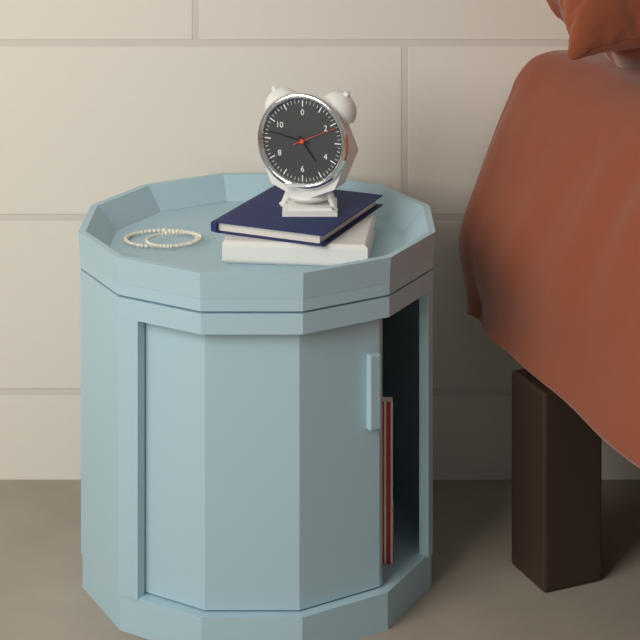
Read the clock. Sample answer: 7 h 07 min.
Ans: 4 h 47 min
